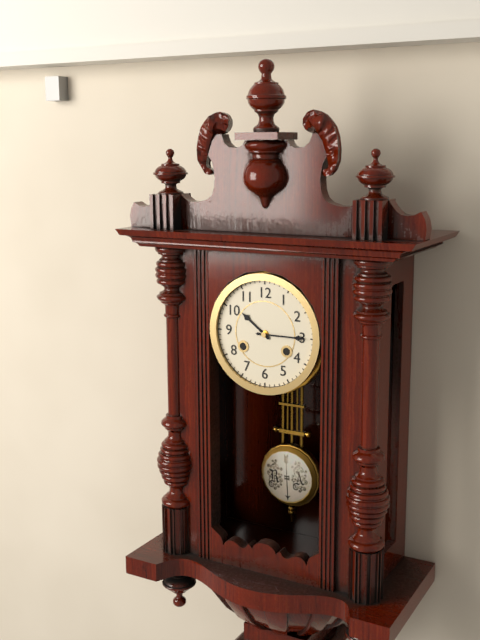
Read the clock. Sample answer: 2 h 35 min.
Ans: 10 h 15 min
